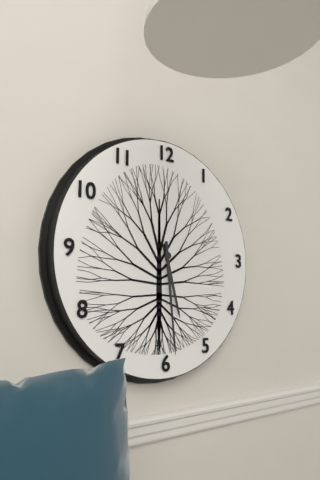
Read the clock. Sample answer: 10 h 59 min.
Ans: 5 h 29 min
